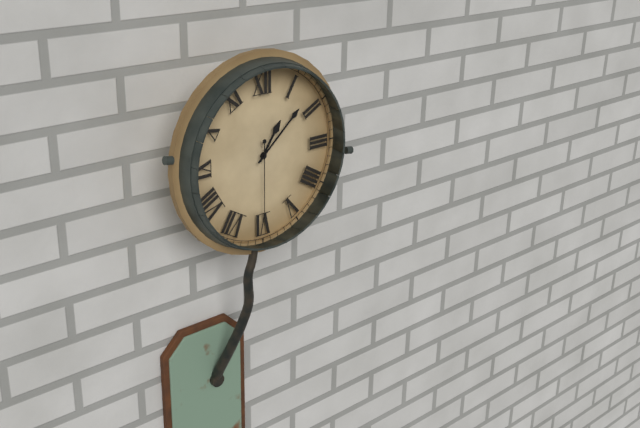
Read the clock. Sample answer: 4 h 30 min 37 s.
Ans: 1 h 08 min 30 s
